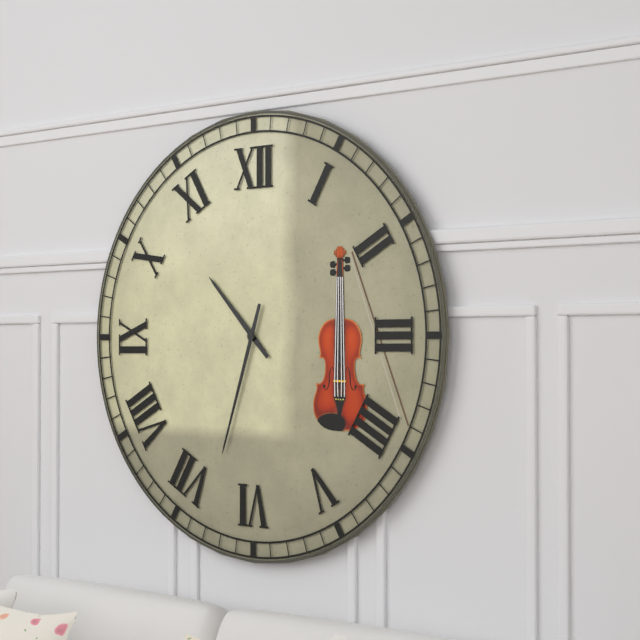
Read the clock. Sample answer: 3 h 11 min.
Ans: 10 h 33 min
